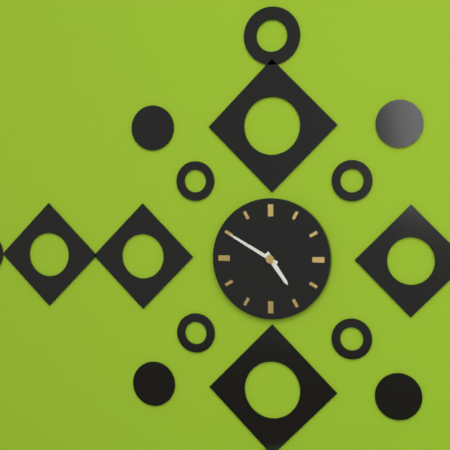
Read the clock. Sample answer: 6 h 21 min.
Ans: 4 h 50 min
